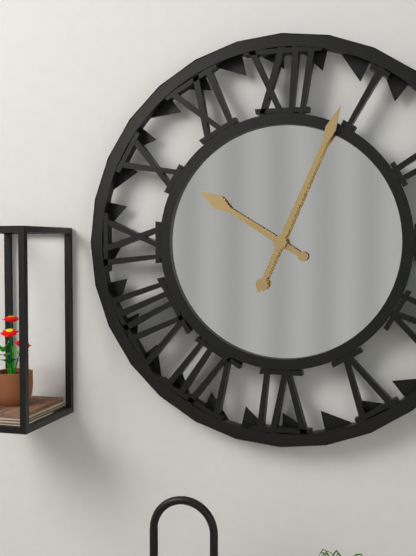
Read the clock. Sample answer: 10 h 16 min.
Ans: 10 h 04 min
